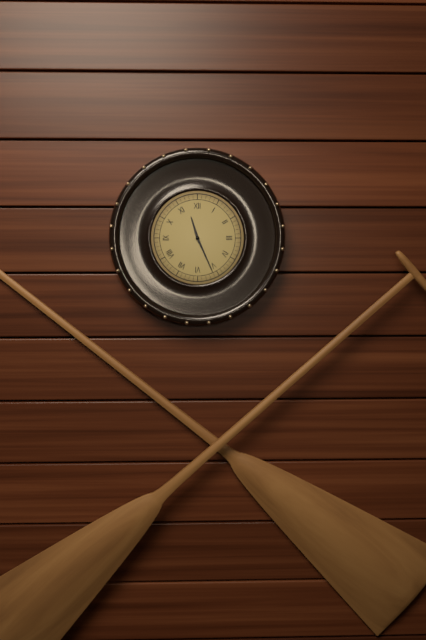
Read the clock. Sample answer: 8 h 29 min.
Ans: 11 h 26 min
